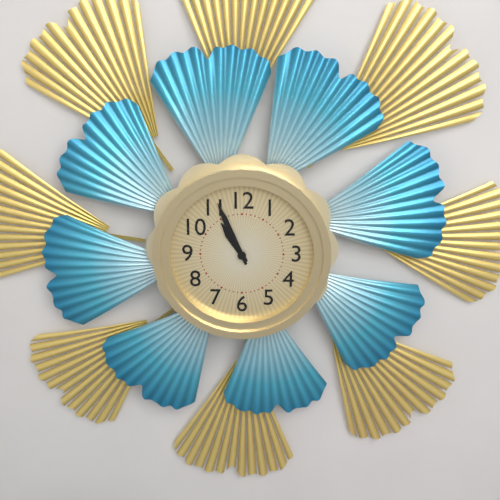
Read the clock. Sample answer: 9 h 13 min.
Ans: 10 h 56 min
